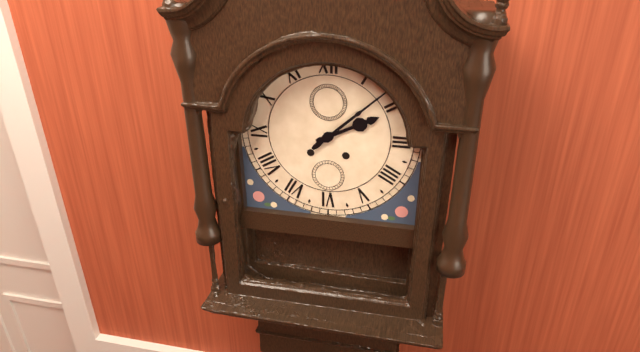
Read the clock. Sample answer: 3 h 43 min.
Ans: 2 h 08 min
